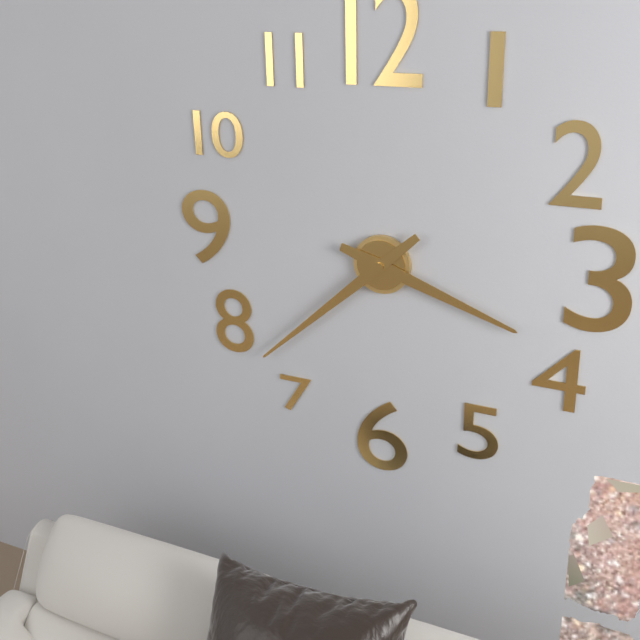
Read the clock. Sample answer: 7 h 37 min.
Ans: 3 h 38 min
